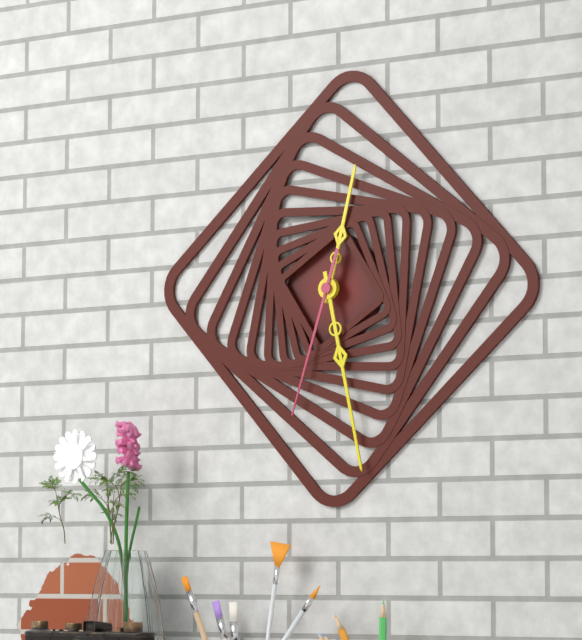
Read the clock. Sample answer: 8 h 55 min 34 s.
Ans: 12 h 28 min 33 s
